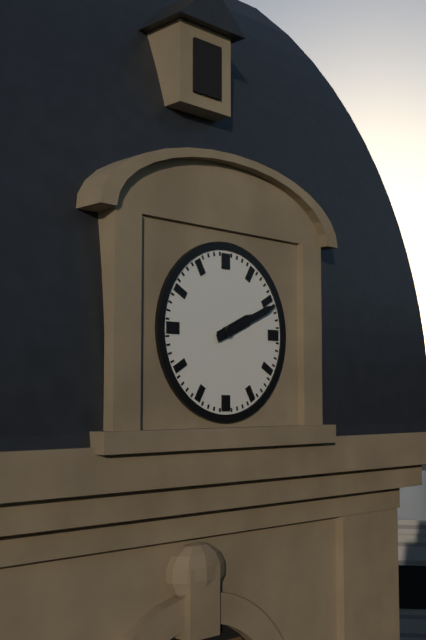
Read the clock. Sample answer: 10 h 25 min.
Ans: 2 h 11 min
